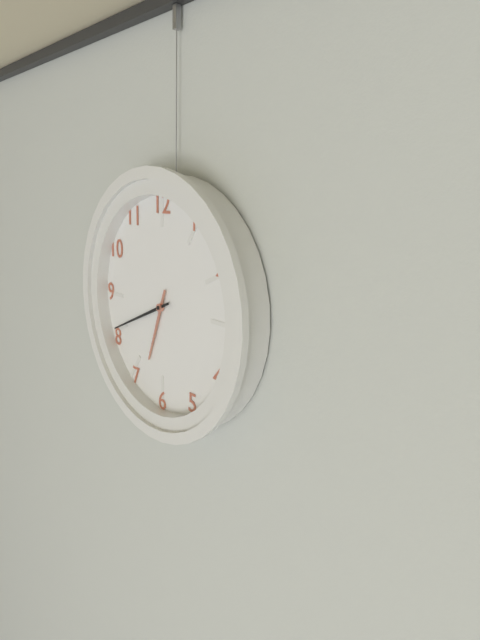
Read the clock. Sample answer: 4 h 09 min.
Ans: 6 h 41 min
